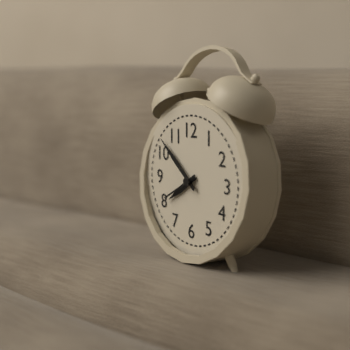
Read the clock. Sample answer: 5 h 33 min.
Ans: 7 h 52 min
